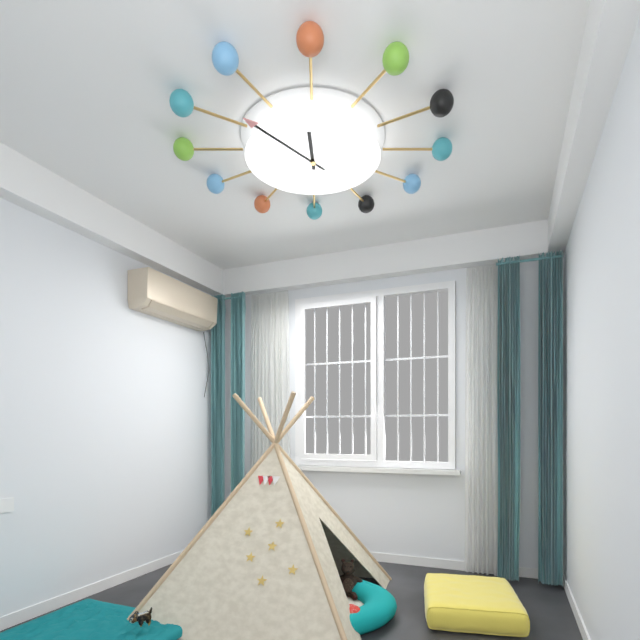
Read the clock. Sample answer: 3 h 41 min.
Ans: 11 h 53 min
